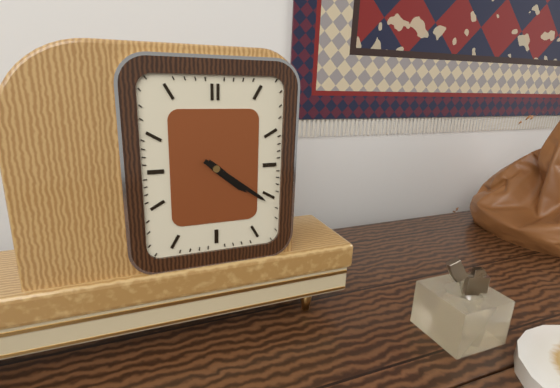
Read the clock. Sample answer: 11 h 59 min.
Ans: 4 h 21 min
